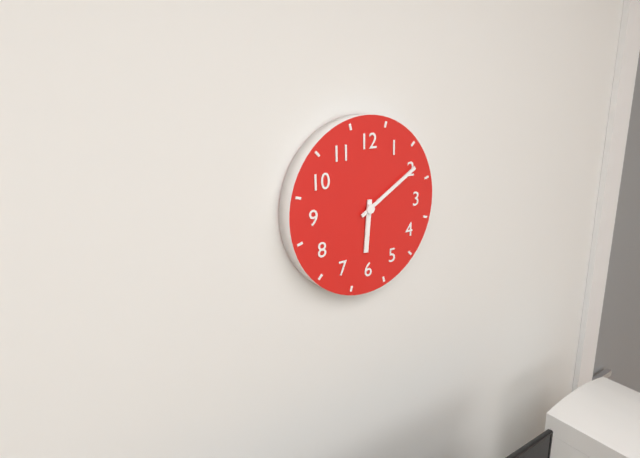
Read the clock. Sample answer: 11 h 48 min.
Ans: 6 h 10 min
